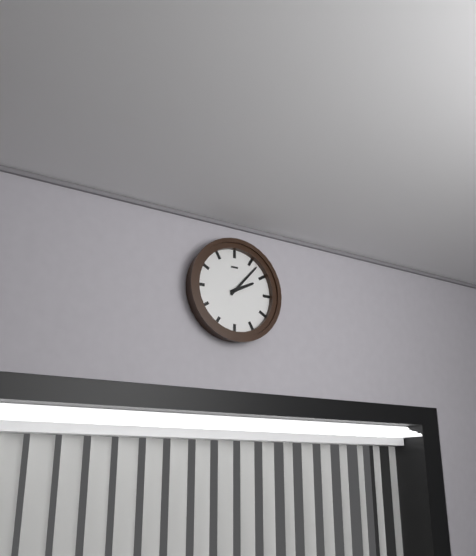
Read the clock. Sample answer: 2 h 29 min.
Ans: 2 h 07 min
